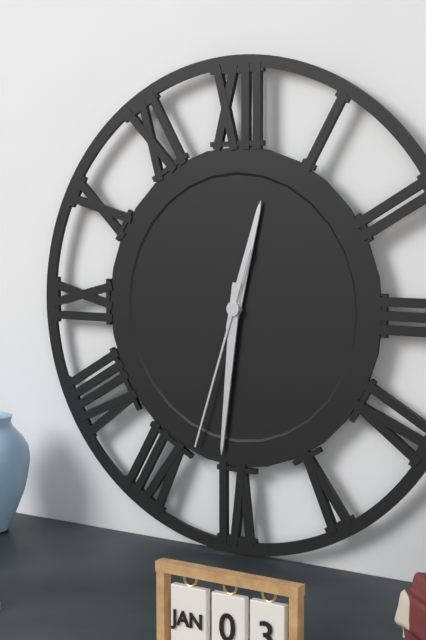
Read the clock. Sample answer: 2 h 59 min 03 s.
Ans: 12 h 31 min 33 s
